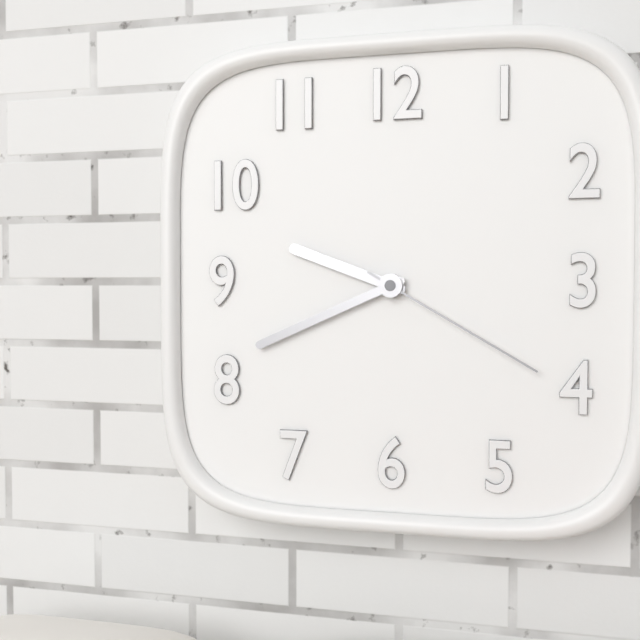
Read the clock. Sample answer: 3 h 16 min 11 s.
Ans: 9 h 41 min 20 s
